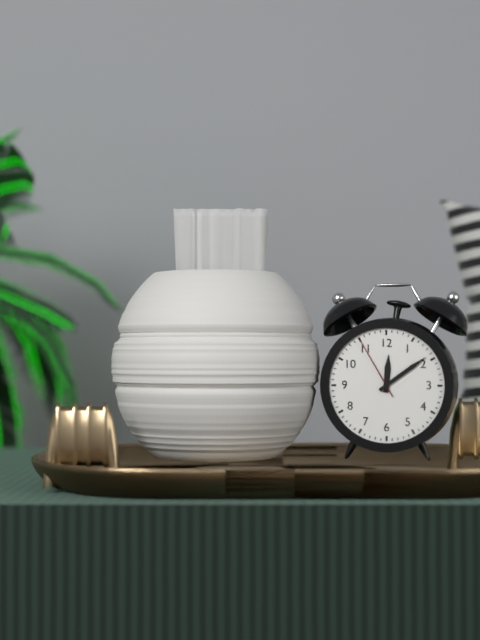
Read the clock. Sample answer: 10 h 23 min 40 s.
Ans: 12 h 09 min 55 s
